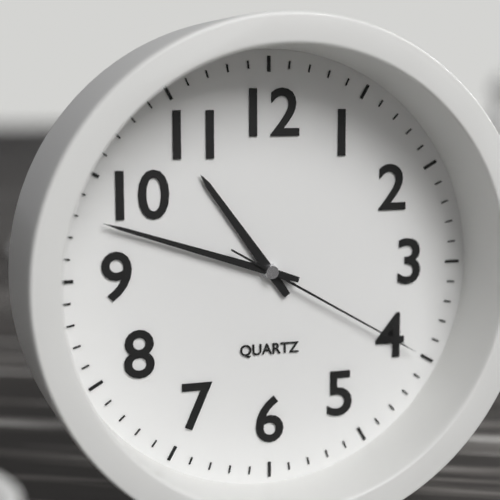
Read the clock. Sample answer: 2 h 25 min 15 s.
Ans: 10 h 48 min 20 s
